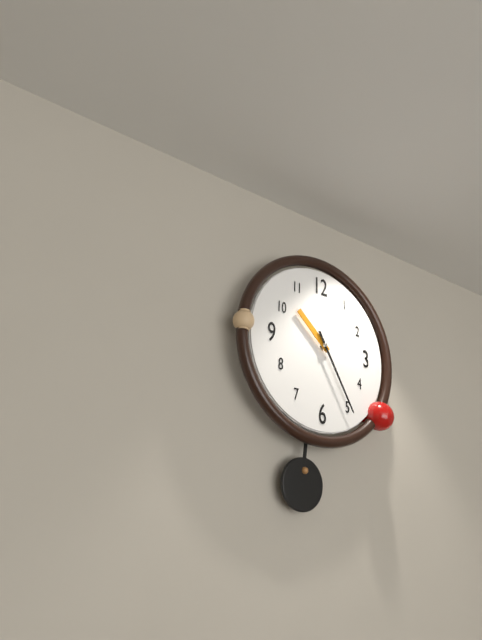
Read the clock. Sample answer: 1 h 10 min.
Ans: 10 h 25 min
